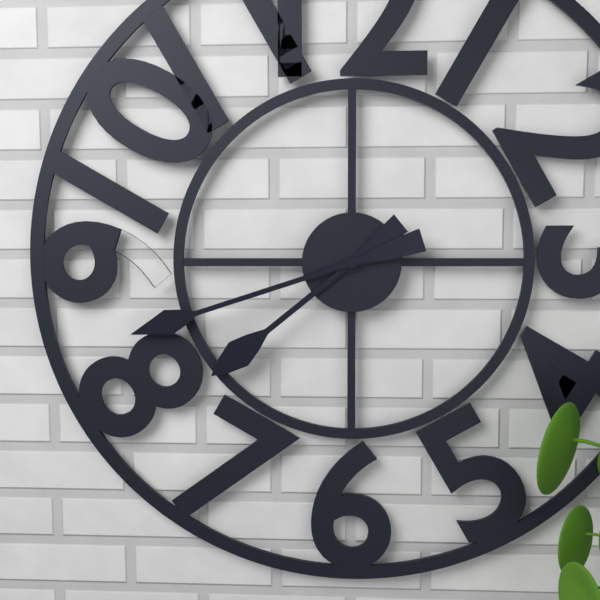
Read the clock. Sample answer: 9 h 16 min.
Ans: 7 h 42 min
